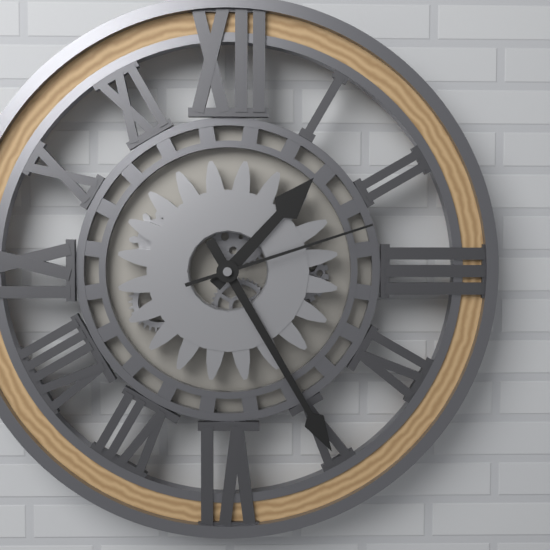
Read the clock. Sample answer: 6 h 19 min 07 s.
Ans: 1 h 25 min 12 s
